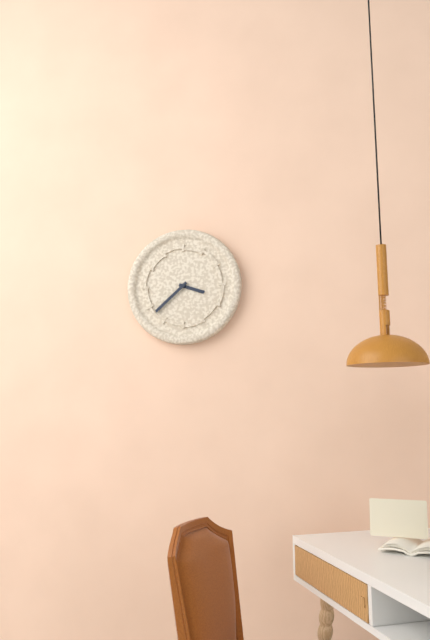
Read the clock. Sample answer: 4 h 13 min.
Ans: 3 h 38 min
